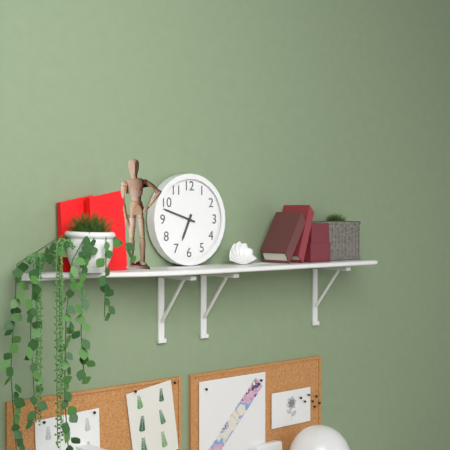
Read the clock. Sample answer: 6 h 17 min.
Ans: 6 h 48 min
